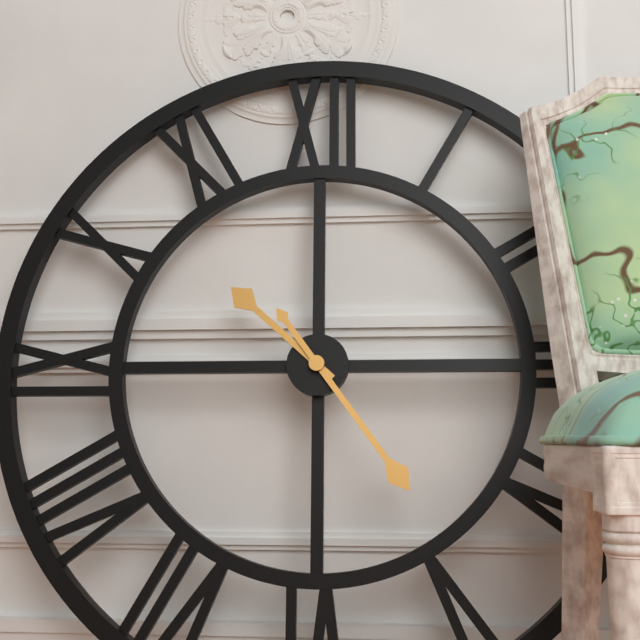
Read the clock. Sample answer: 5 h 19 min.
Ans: 10 h 24 min
